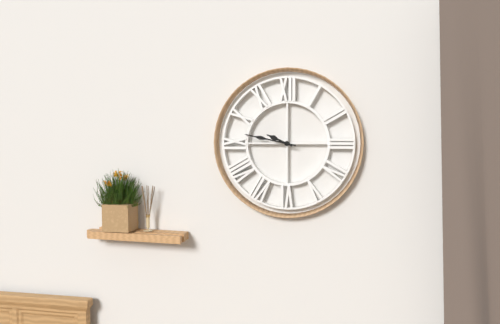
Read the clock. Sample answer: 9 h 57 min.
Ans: 9 h 47 min
